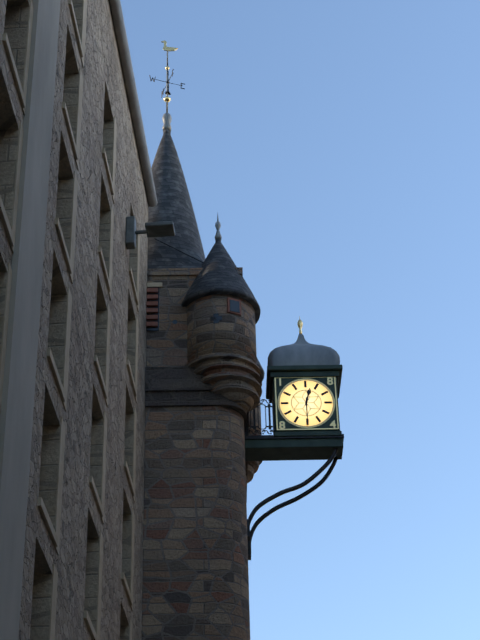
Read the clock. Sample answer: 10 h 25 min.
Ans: 12 h 30 min
